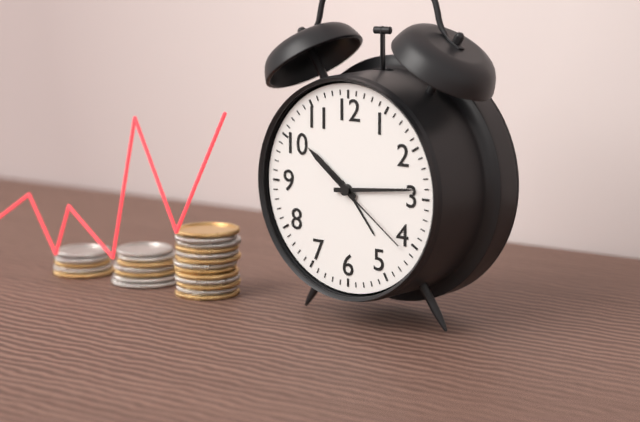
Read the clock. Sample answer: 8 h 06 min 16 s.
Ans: 10 h 14 min 21 s
